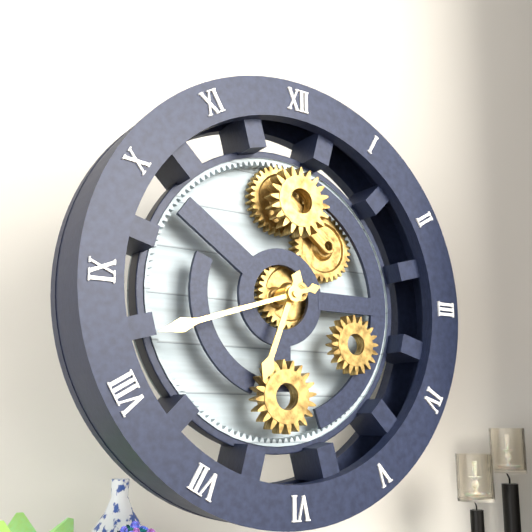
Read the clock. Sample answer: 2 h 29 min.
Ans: 6 h 42 min
